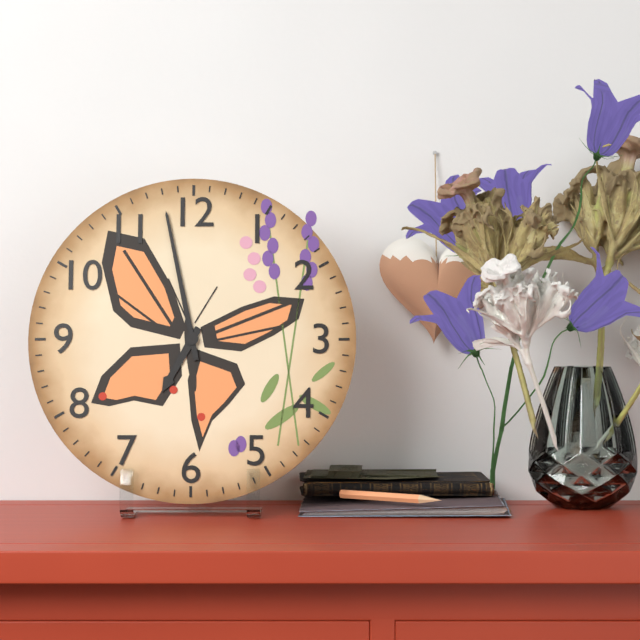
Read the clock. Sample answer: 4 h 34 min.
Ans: 6 h 58 min
